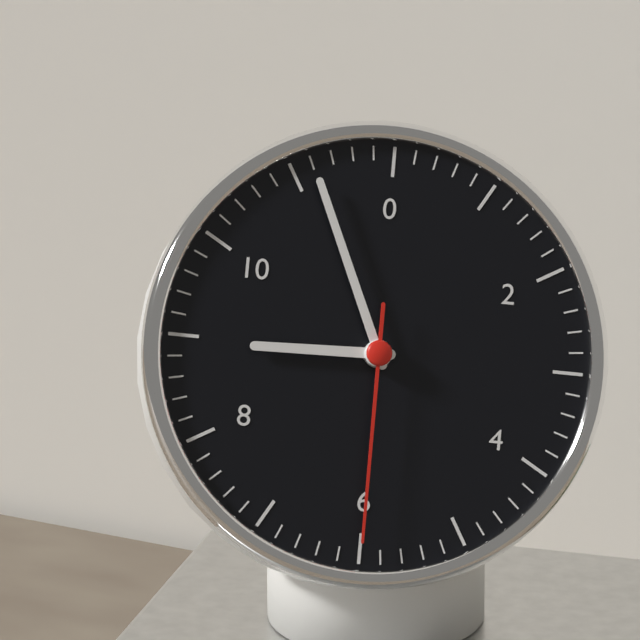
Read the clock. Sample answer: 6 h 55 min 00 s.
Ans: 8 h 56 min 30 s
